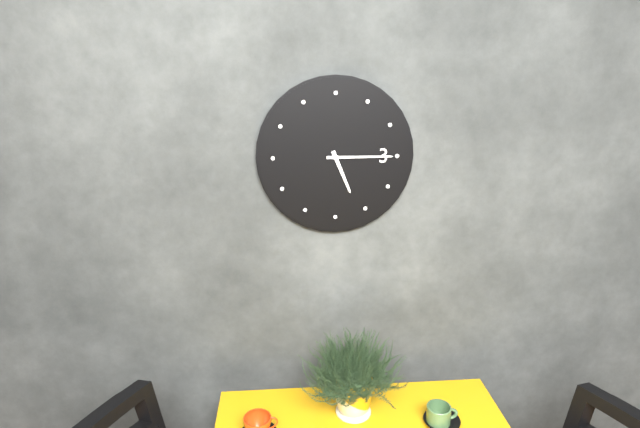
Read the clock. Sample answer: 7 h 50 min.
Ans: 5 h 15 min
